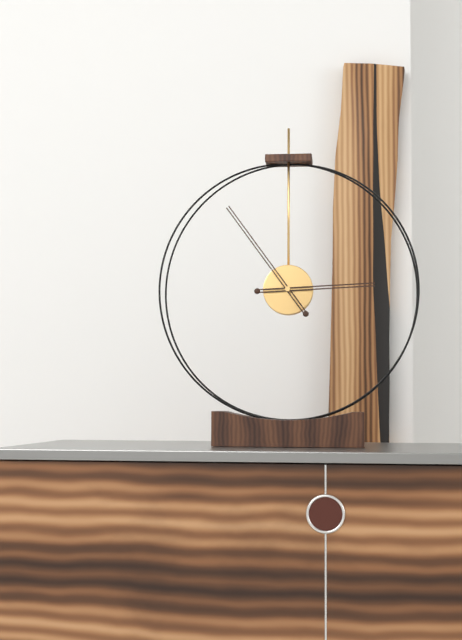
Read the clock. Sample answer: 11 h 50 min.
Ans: 2 h 54 min
